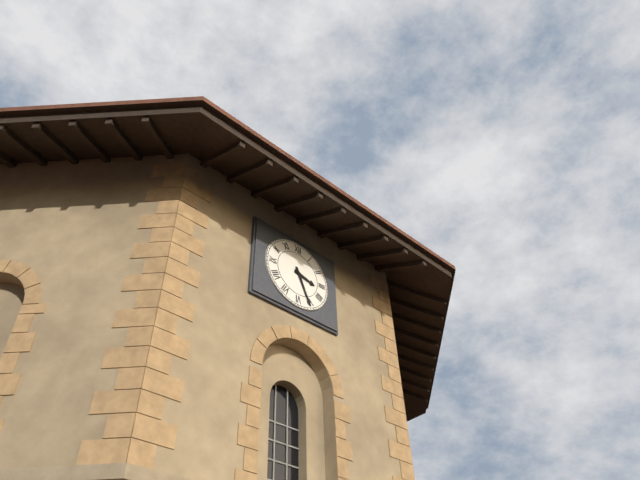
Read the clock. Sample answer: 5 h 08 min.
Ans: 3 h 26 min
